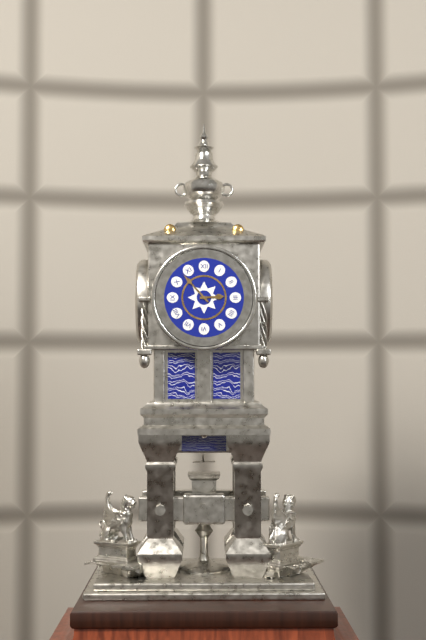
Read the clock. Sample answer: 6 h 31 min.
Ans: 2 h 53 min
